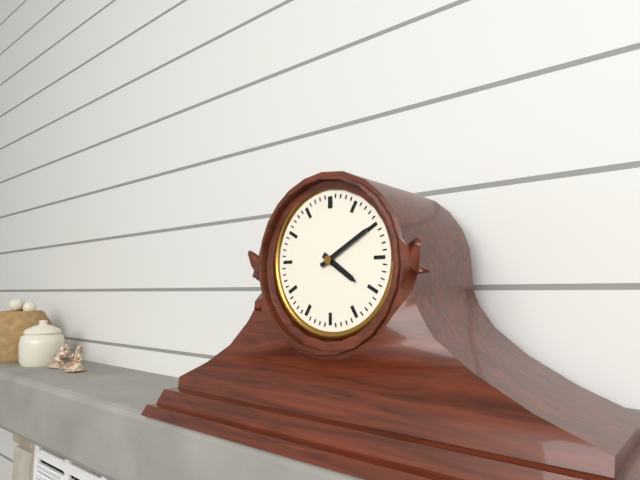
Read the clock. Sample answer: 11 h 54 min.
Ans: 4 h 10 min
